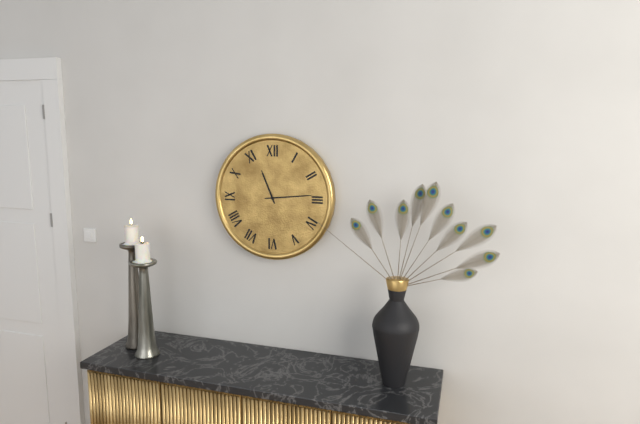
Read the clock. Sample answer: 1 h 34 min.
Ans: 11 h 14 min
